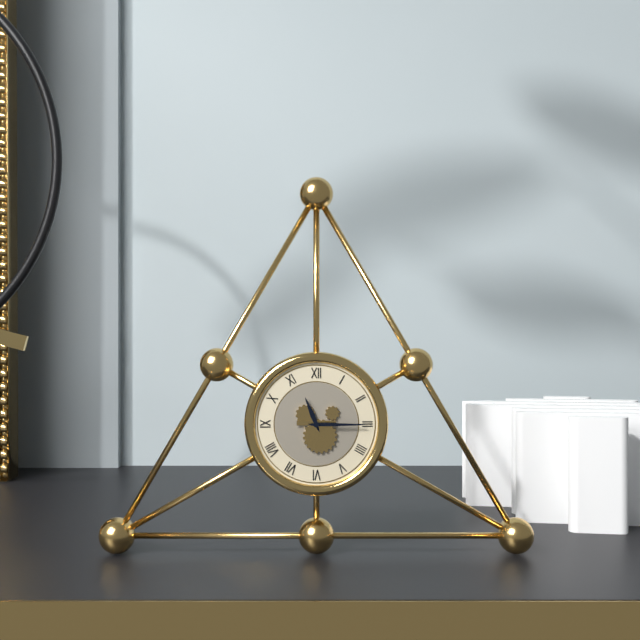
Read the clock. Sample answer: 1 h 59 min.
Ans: 11 h 15 min
